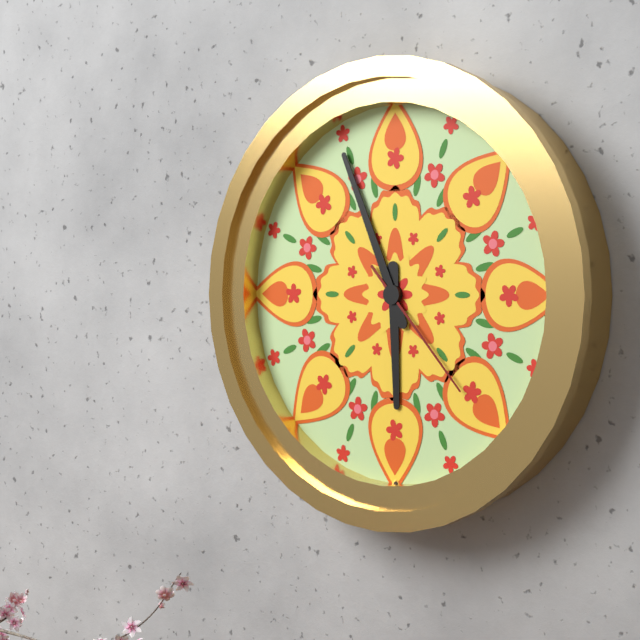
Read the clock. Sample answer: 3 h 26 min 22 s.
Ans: 5 h 56 min 23 s
